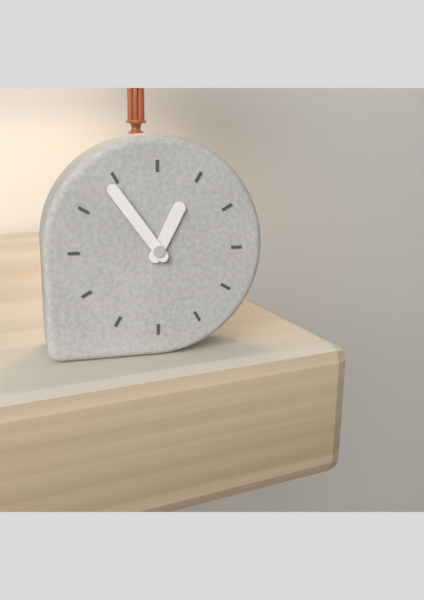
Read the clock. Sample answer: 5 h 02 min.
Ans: 12 h 54 min
